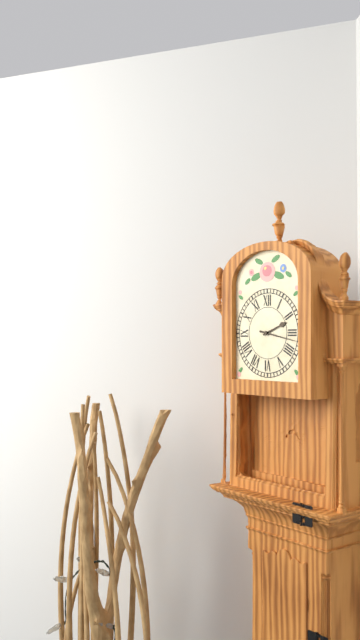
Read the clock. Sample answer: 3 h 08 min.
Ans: 2 h 17 min
